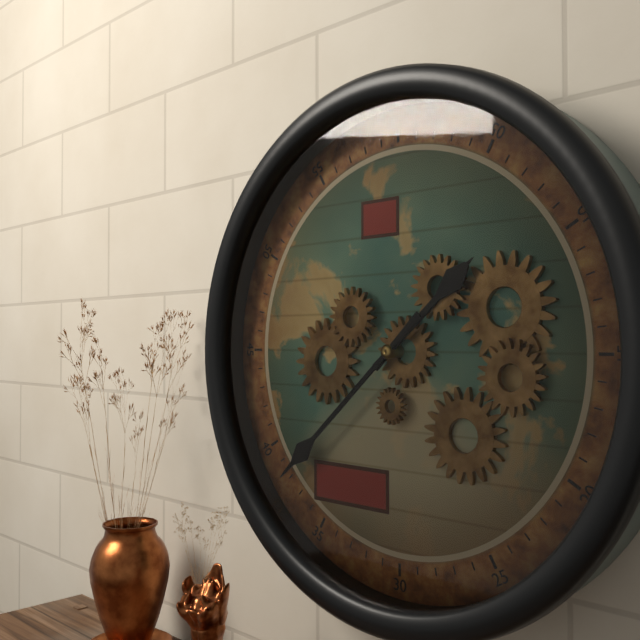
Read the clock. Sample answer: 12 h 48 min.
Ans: 1 h 38 min
